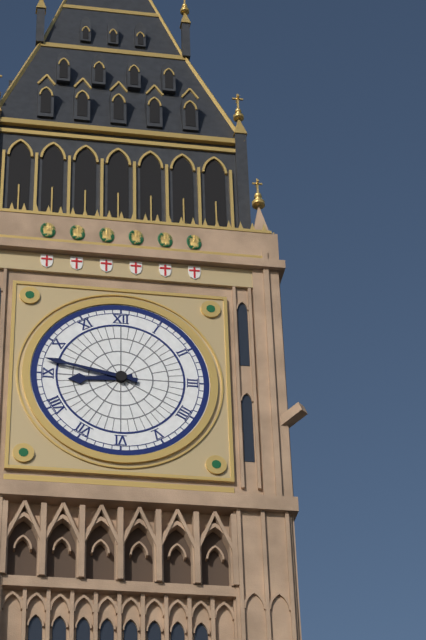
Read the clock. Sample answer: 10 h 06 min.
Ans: 8 h 47 min
